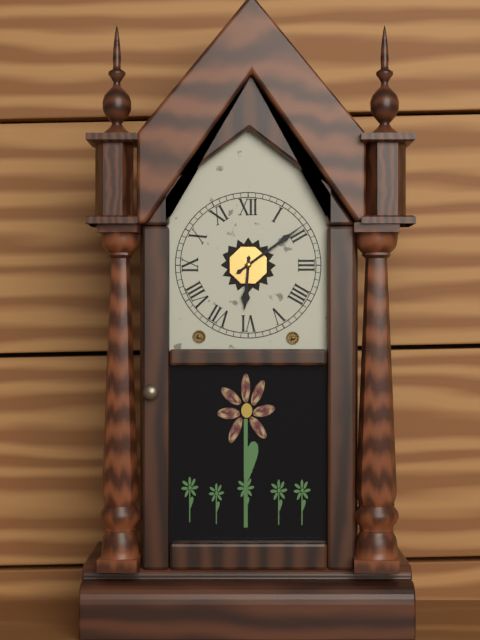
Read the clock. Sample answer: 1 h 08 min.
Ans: 6 h 09 min
